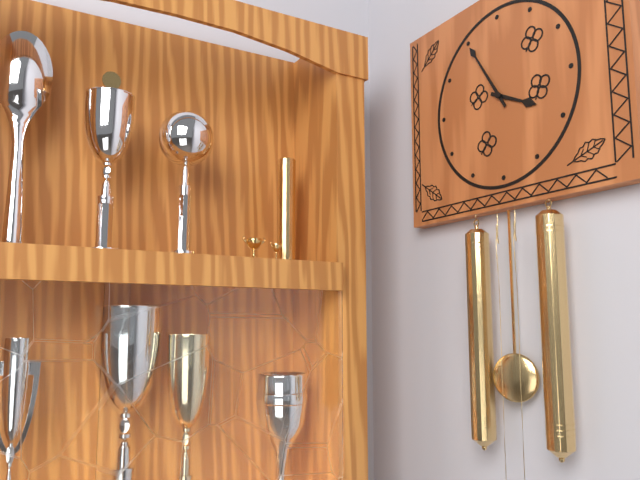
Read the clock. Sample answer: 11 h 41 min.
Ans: 3 h 55 min
